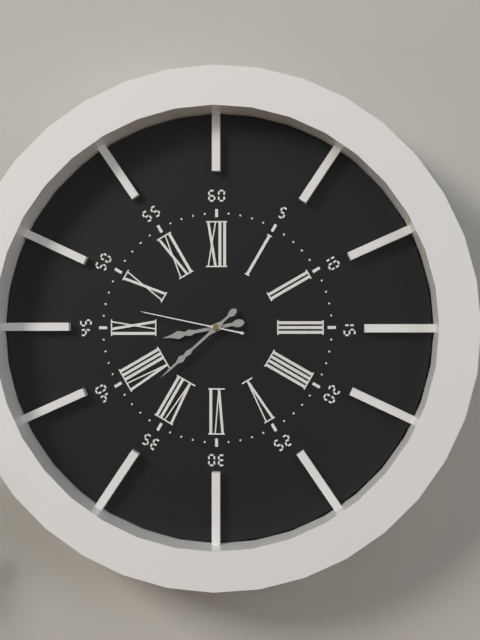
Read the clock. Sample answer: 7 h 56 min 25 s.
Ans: 8 h 38 min 47 s
